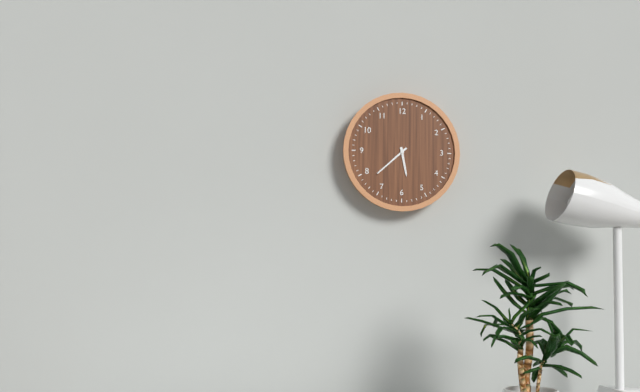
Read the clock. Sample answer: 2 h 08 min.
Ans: 5 h 38 min
